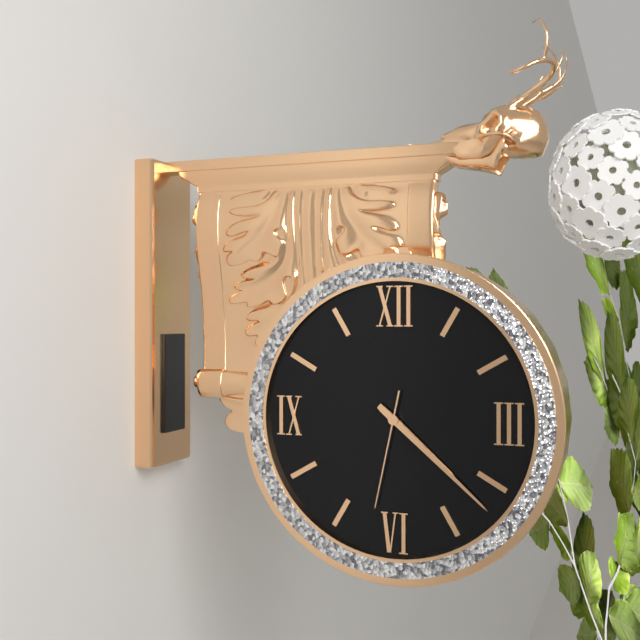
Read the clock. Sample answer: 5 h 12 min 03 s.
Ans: 4 h 22 min 32 s
